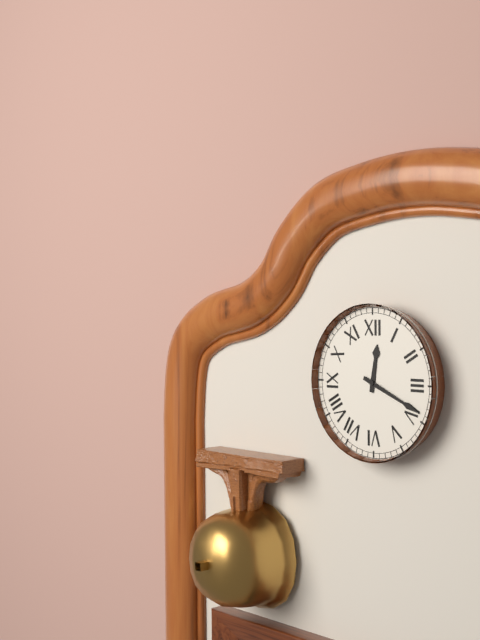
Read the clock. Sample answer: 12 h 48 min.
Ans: 12 h 19 min
